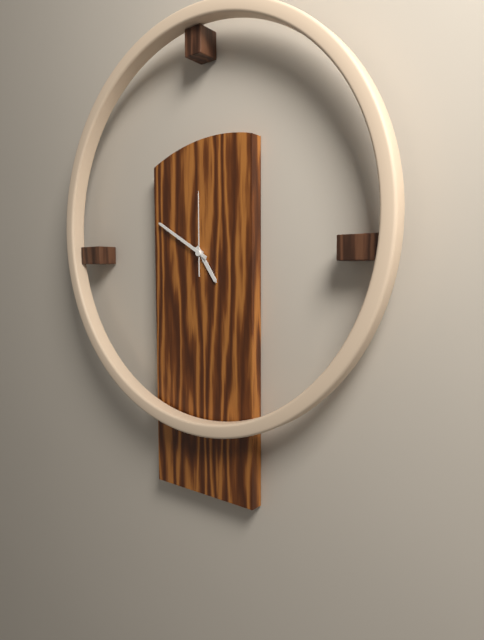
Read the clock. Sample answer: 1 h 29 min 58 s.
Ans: 4 h 50 min 00 s
